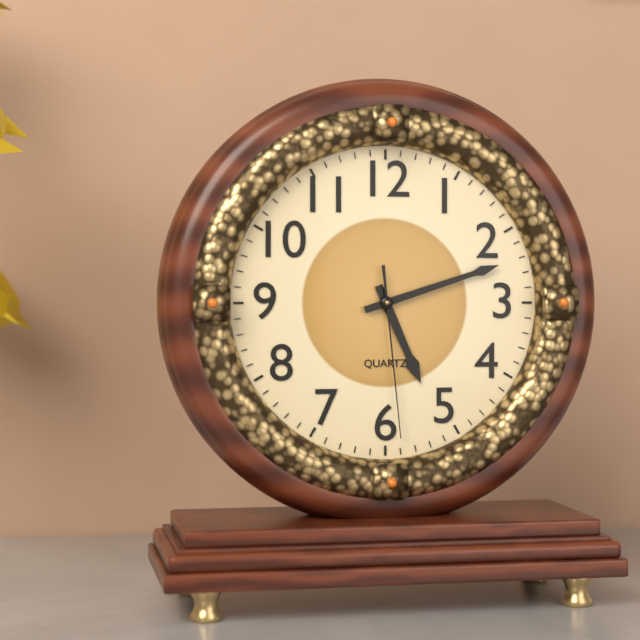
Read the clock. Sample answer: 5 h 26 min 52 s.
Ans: 5 h 12 min 29 s
